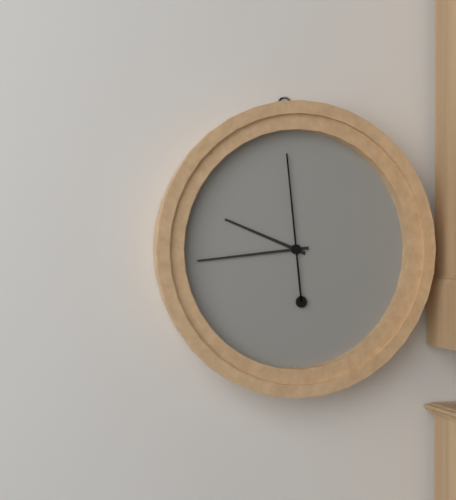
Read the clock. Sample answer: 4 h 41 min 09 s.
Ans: 9 h 44 min 59 s
